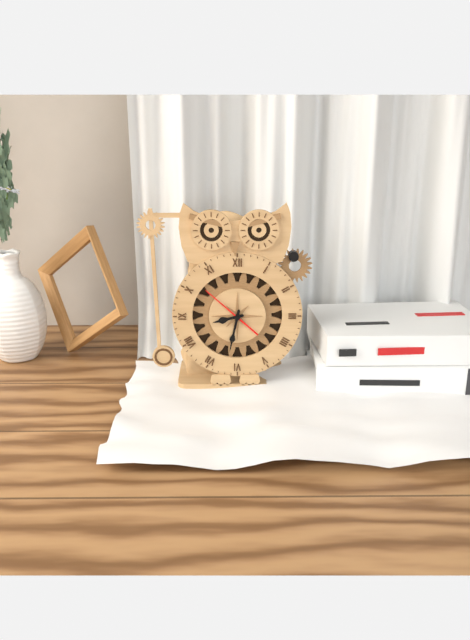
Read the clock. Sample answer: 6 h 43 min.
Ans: 8 h 32 min
